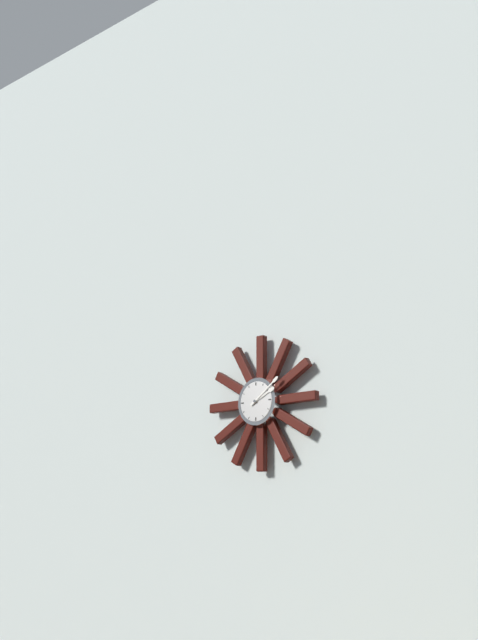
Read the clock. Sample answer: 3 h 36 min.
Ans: 2 h 09 min
